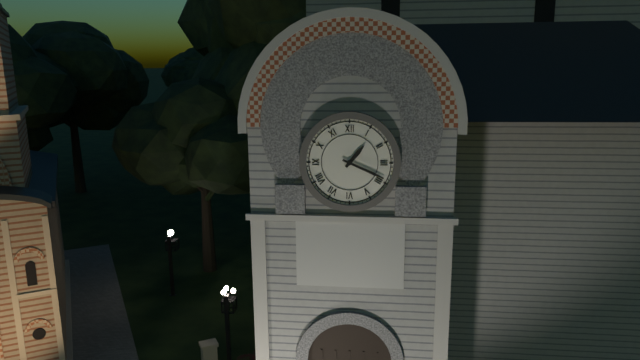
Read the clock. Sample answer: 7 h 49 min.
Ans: 1 h 19 min
